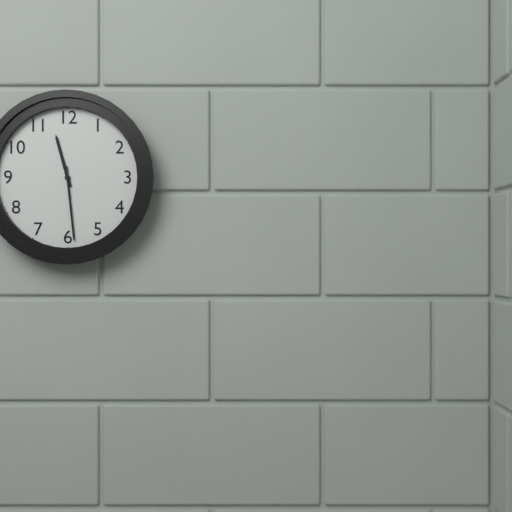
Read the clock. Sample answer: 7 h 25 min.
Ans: 11 h 29 min
